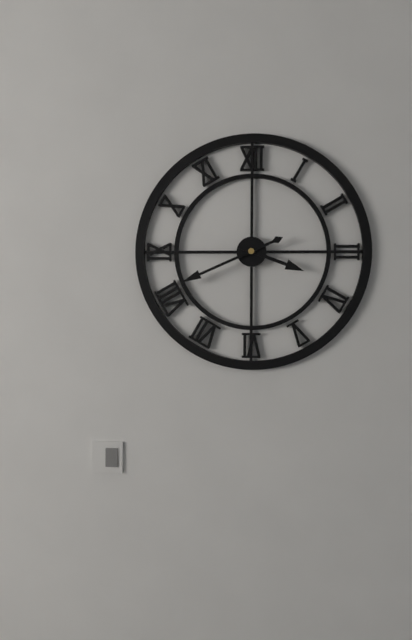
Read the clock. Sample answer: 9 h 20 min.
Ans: 3 h 41 min
